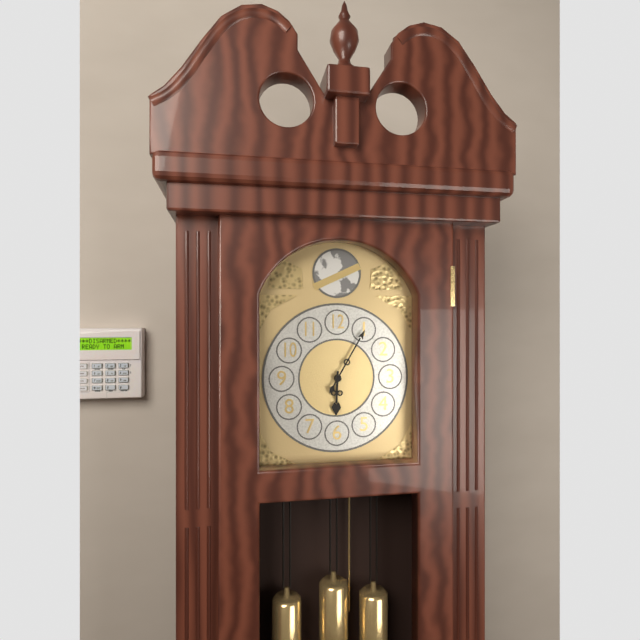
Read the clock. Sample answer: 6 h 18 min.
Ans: 6 h 05 min
